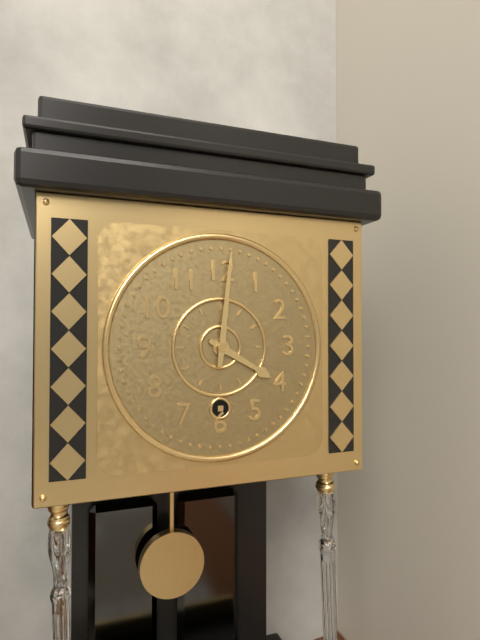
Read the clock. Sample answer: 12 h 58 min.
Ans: 4 h 01 min
